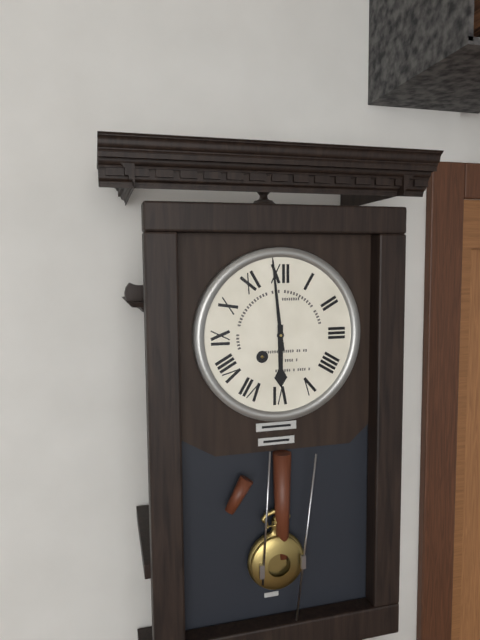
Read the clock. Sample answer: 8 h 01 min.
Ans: 5 h 59 min
